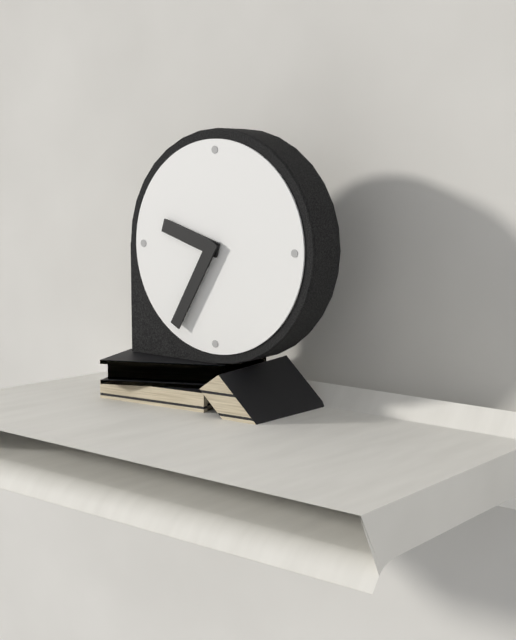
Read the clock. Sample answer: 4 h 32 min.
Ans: 9 h 35 min
